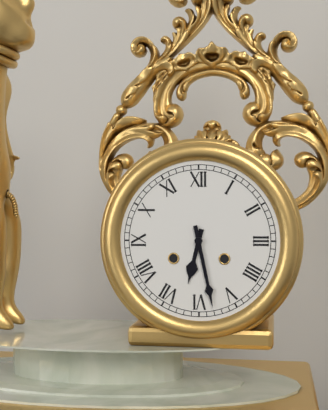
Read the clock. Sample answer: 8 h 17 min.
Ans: 6 h 28 min
